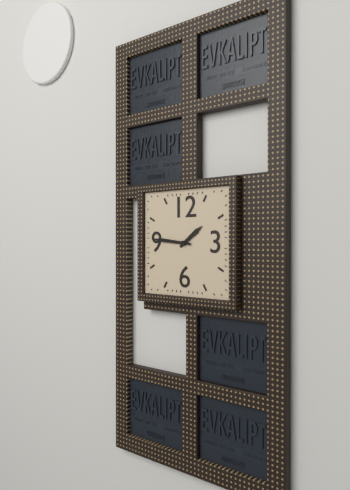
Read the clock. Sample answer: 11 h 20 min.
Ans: 1 h 46 min
